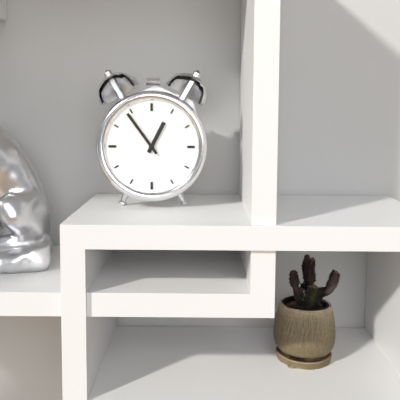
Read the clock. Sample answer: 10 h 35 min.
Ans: 12 h 54 min
